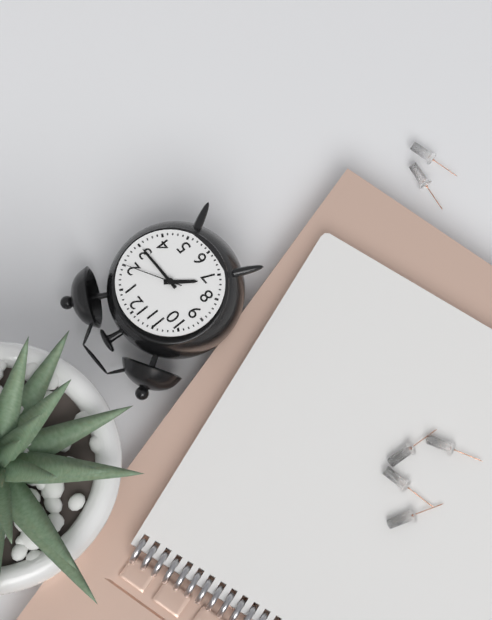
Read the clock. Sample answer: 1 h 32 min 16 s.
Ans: 7 h 15 min 10 s
